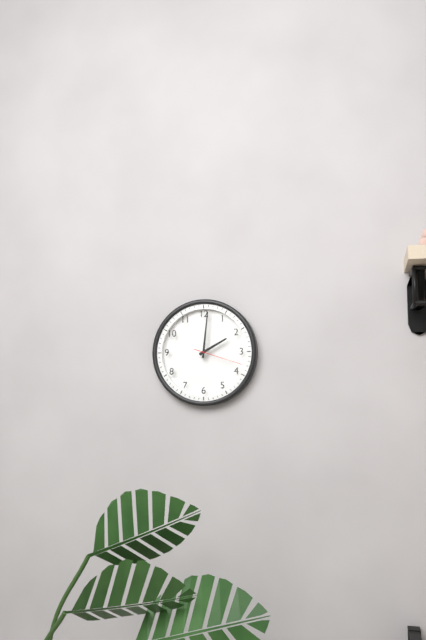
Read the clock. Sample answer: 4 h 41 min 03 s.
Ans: 2 h 01 min 18 s
